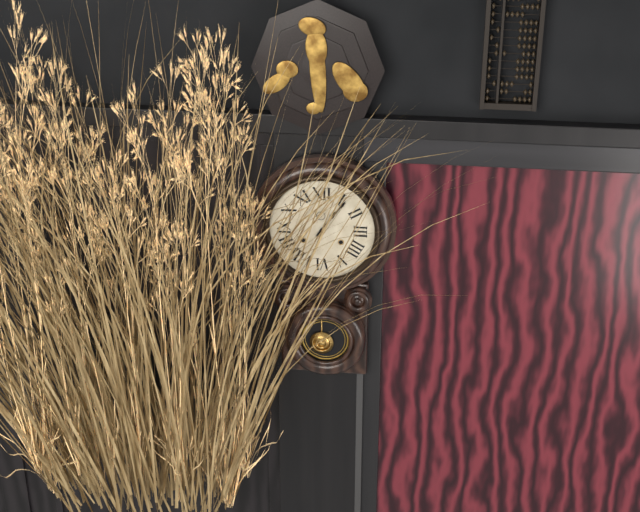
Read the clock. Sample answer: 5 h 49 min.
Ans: 1 h 06 min
